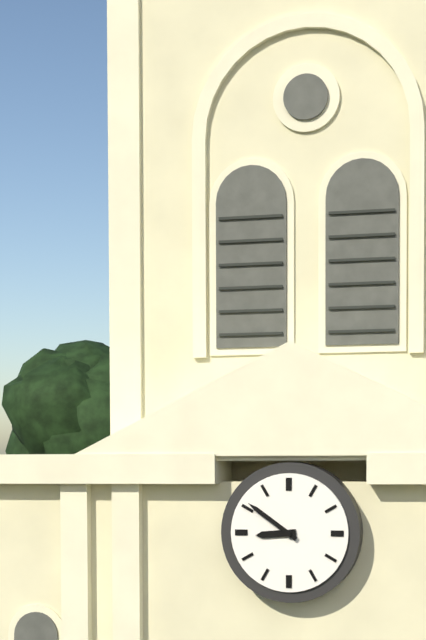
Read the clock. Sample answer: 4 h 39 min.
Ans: 8 h 51 min
